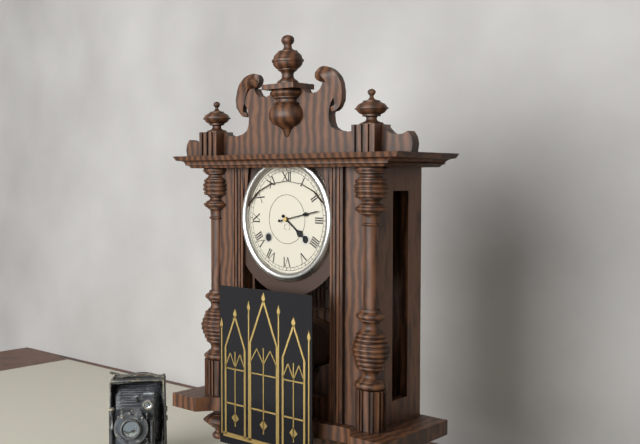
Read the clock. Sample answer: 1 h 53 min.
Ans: 4 h 13 min
